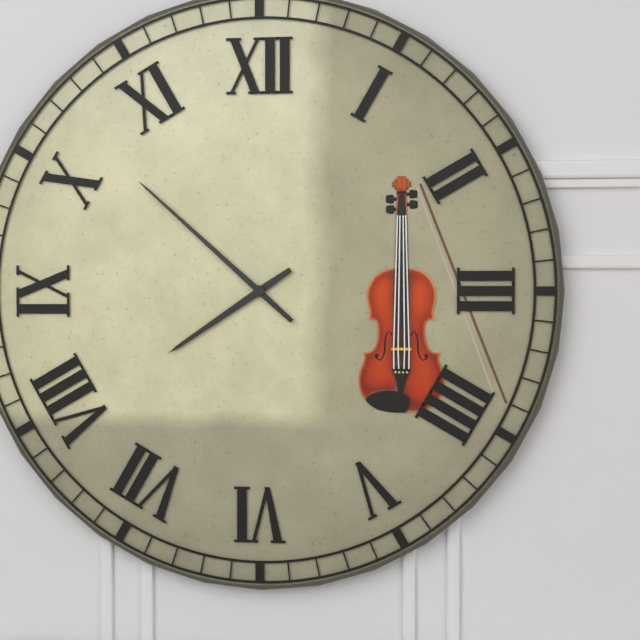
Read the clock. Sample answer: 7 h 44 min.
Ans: 7 h 52 min
